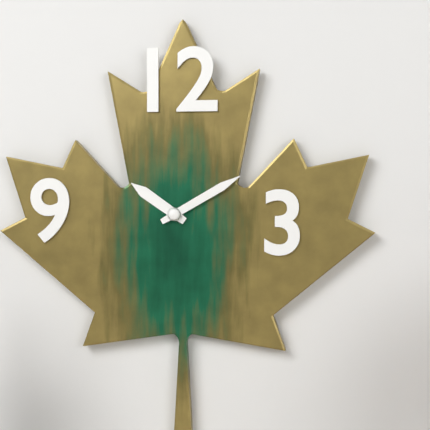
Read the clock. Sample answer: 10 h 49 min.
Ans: 10 h 10 min
